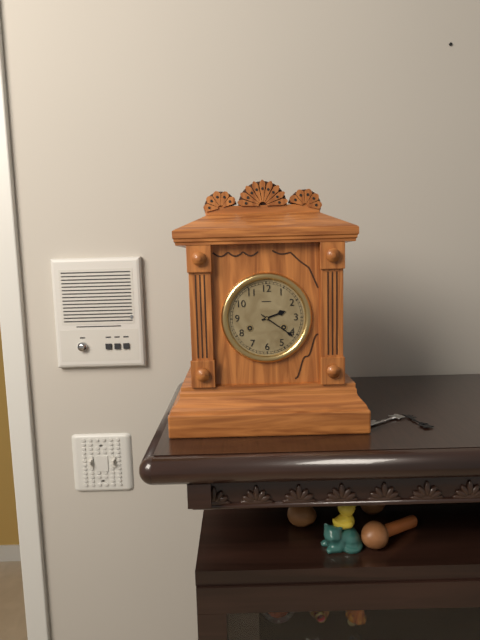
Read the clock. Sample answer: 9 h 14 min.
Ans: 2 h 21 min
